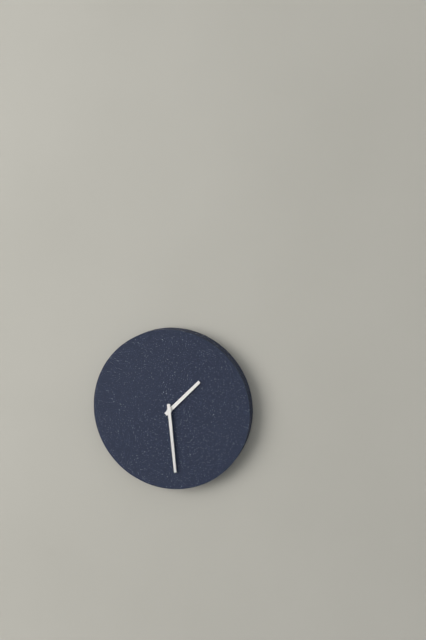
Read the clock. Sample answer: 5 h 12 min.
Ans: 1 h 29 min
